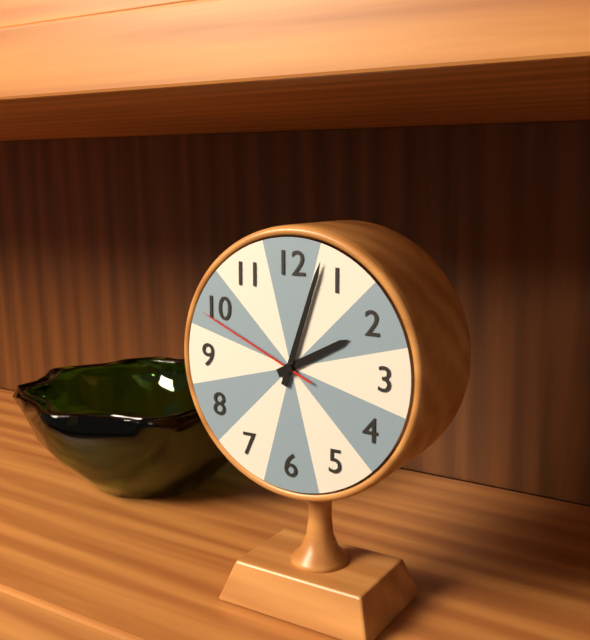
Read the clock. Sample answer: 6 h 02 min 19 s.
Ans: 2 h 03 min 49 s
